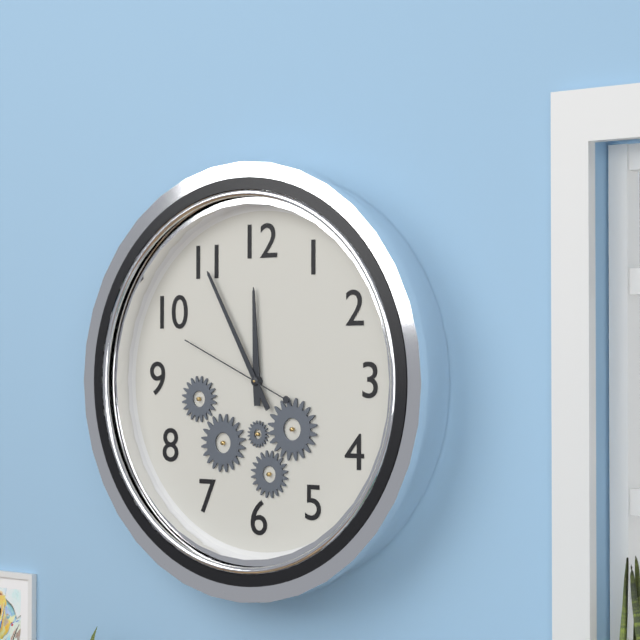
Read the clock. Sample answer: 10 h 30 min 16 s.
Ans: 11 h 55 min 49 s
